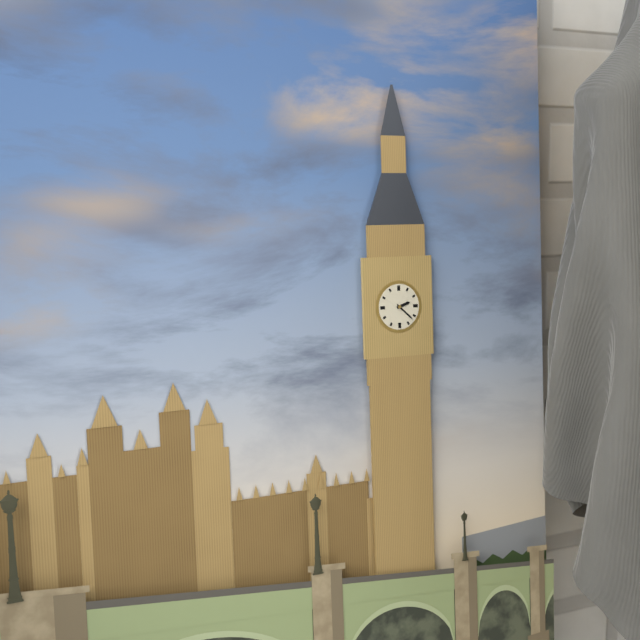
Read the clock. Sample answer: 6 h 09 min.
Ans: 2 h 22 min
